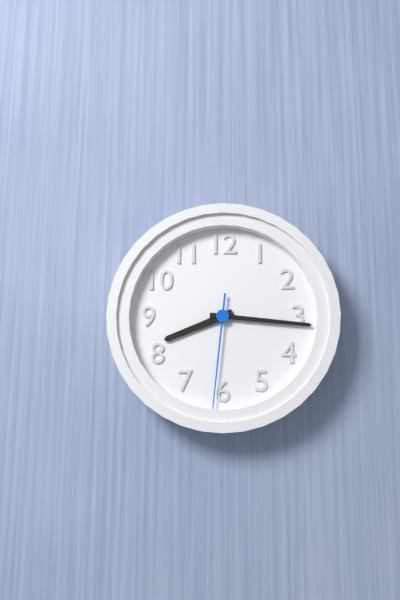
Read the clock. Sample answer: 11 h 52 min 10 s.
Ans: 8 h 16 min 31 s
